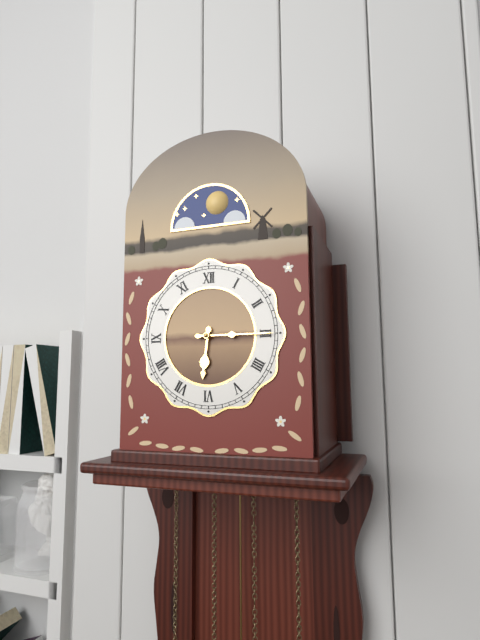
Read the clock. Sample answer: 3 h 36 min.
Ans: 6 h 15 min
